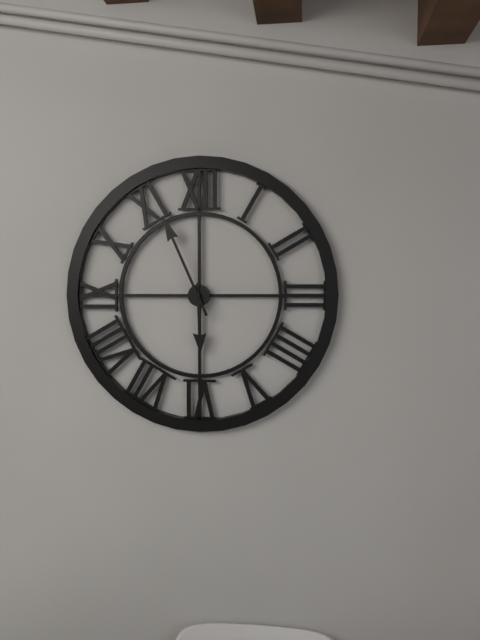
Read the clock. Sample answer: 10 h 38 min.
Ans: 5 h 56 min
